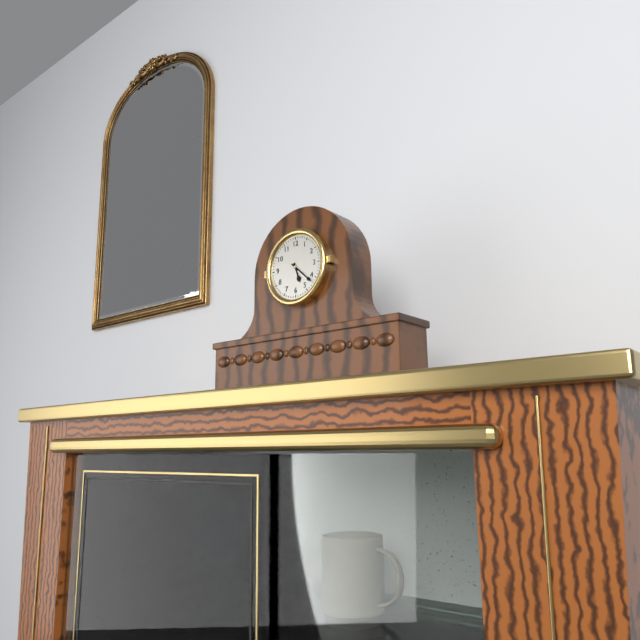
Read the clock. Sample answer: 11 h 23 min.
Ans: 5 h 22 min
